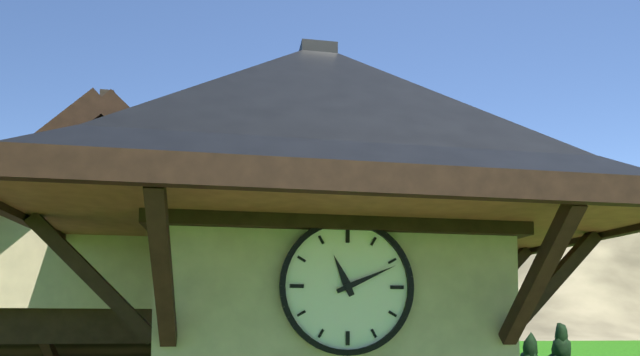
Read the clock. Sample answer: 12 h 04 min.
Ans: 11 h 11 min
